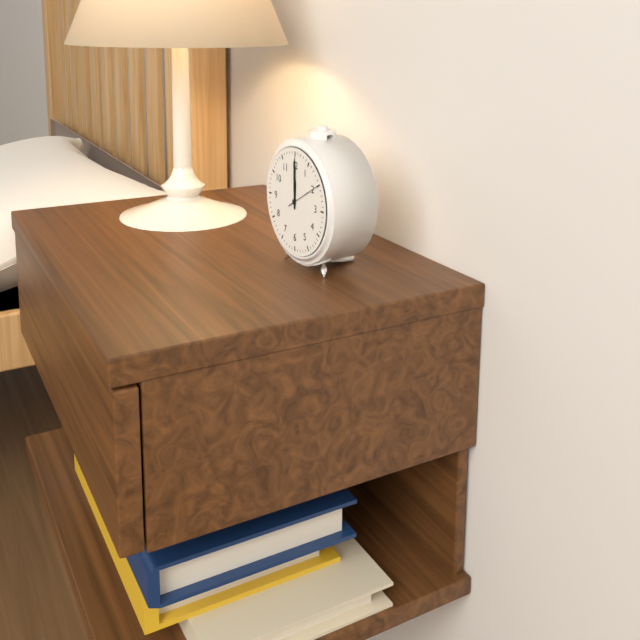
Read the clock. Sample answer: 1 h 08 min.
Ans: 12 h 00 min
